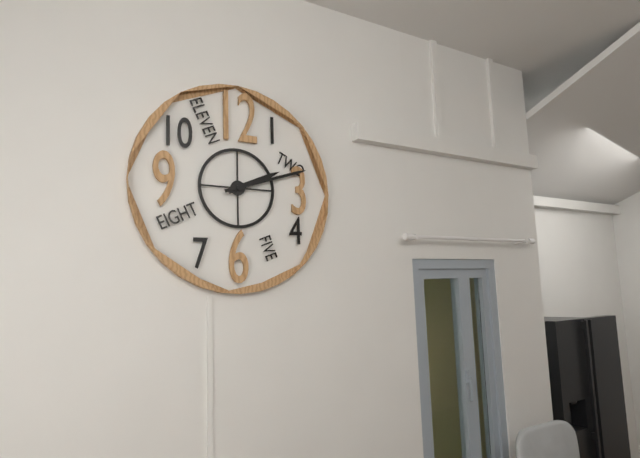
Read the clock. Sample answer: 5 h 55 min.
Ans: 2 h 12 min
